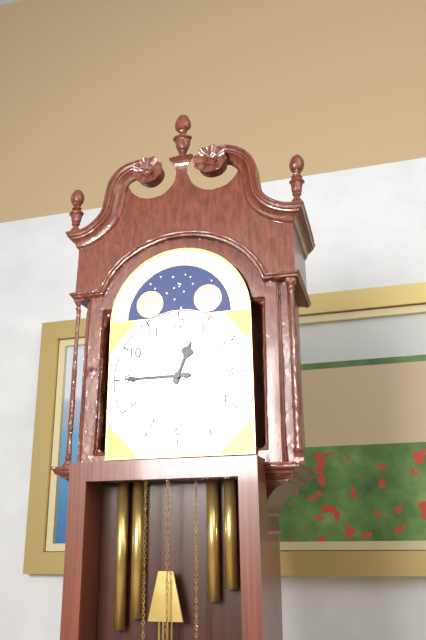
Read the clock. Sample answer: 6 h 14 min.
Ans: 12 h 45 min
